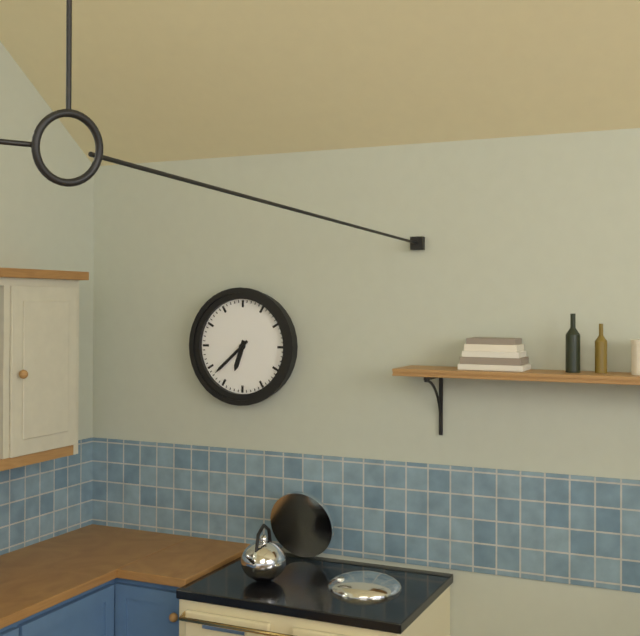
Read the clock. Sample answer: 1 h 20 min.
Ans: 6 h 38 min
